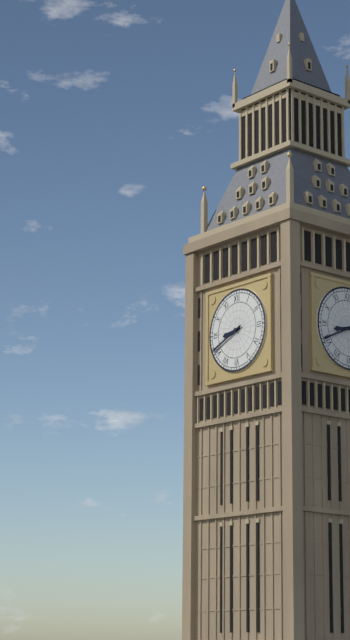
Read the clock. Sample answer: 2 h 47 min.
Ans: 8 h 41 min
